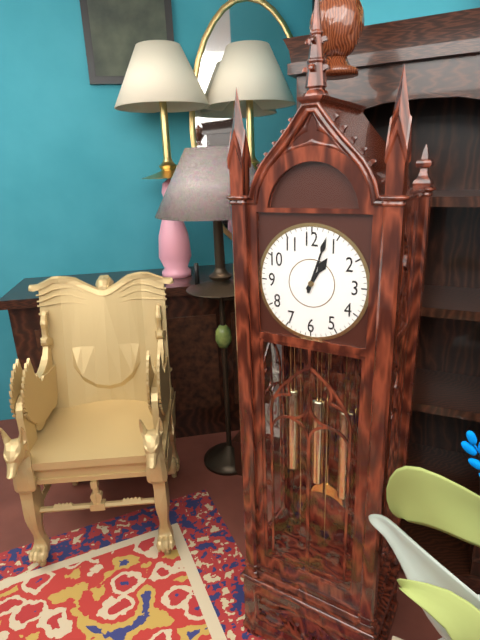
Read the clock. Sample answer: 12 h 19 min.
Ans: 1 h 03 min
